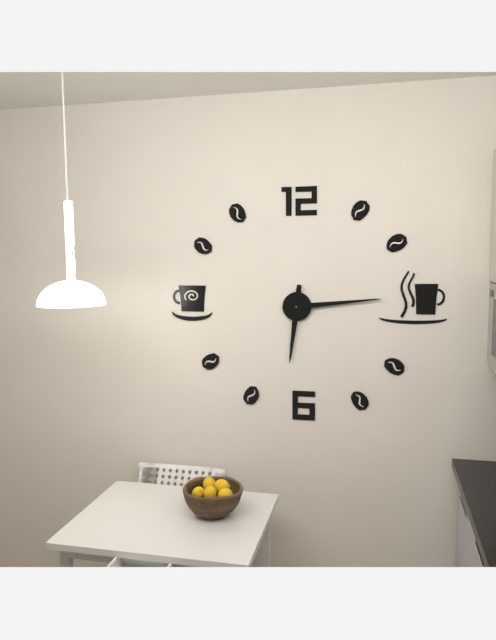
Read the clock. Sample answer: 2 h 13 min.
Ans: 6 h 14 min
